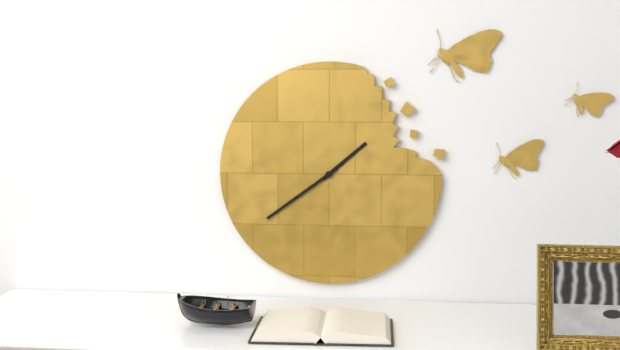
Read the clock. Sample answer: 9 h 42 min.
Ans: 1 h 39 min
